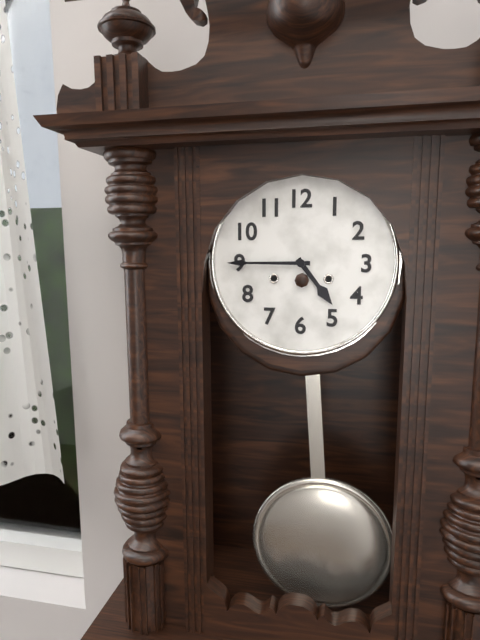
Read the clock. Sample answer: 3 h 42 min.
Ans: 4 h 45 min
